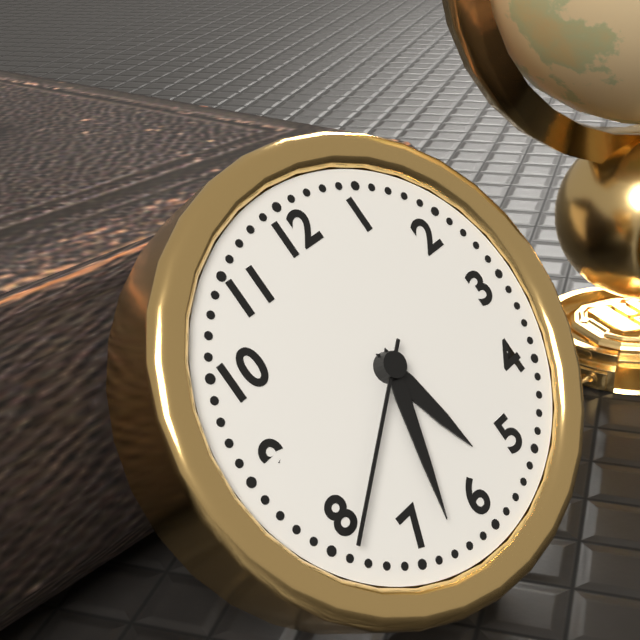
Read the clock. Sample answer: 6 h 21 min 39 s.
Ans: 5 h 33 min 39 s
